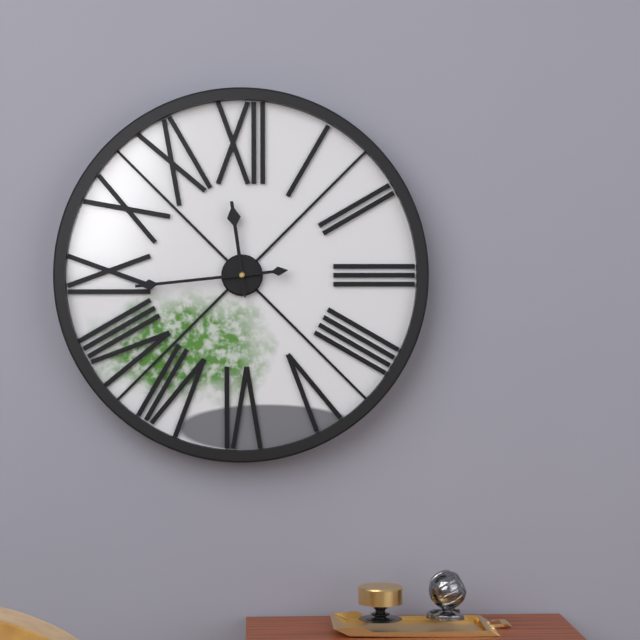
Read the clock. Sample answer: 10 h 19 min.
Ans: 11 h 44 min
